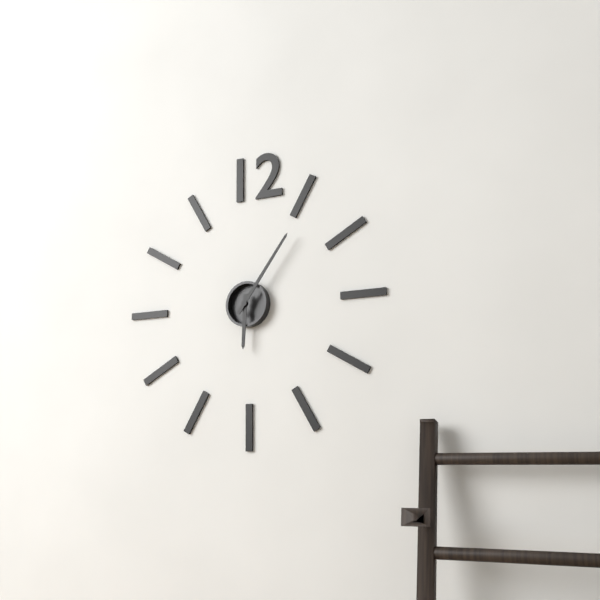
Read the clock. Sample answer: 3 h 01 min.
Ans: 6 h 06 min
